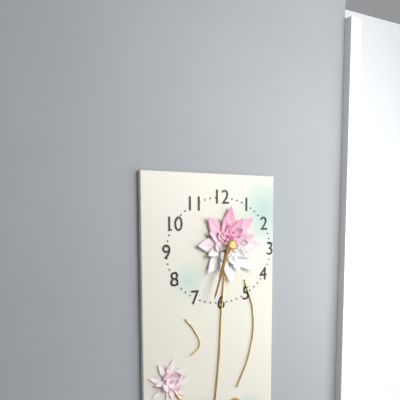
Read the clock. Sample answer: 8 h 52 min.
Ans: 6 h 33 min
